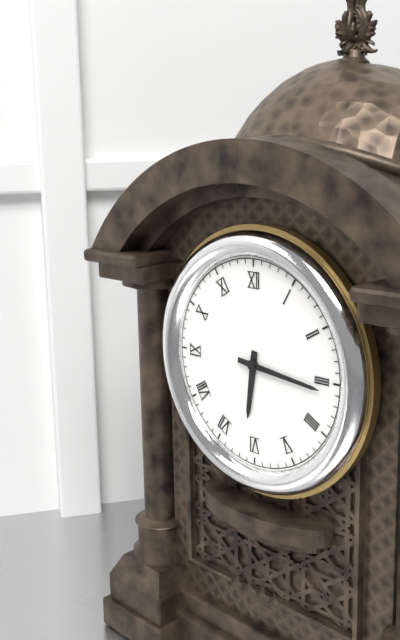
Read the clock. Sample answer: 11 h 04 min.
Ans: 6 h 16 min
